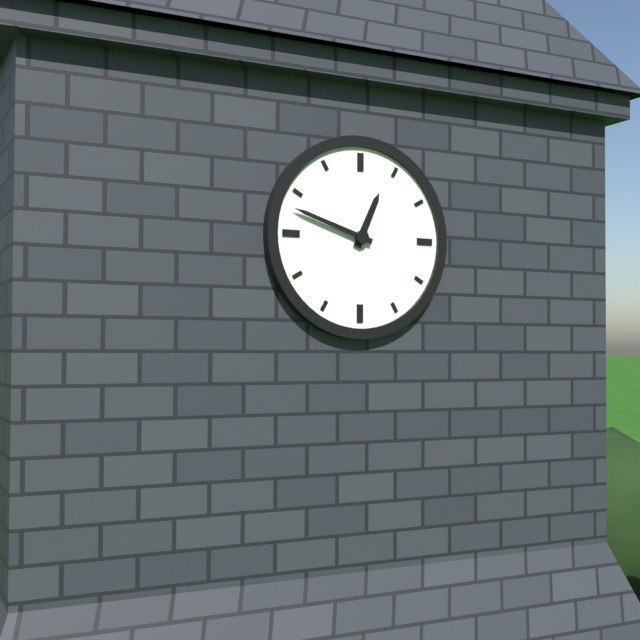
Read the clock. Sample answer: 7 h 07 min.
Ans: 12 h 48 min
